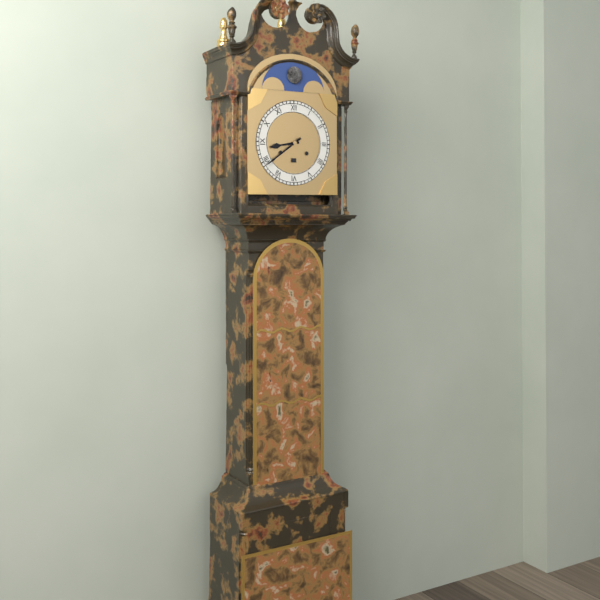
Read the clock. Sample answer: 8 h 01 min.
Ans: 8 h 39 min
